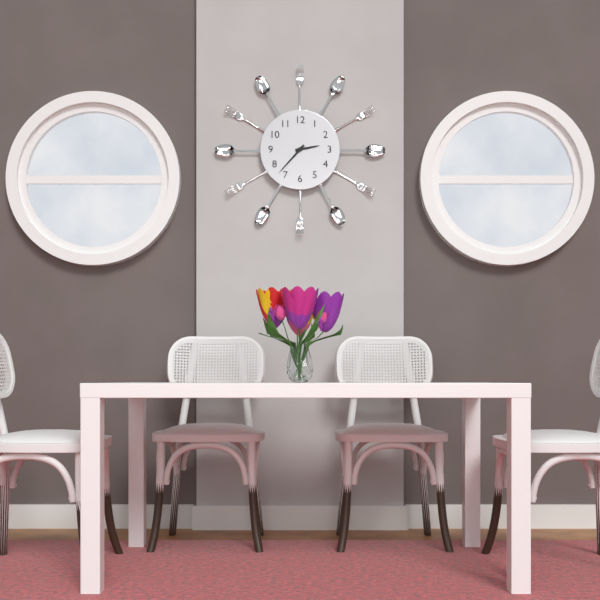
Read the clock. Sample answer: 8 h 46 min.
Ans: 2 h 37 min
